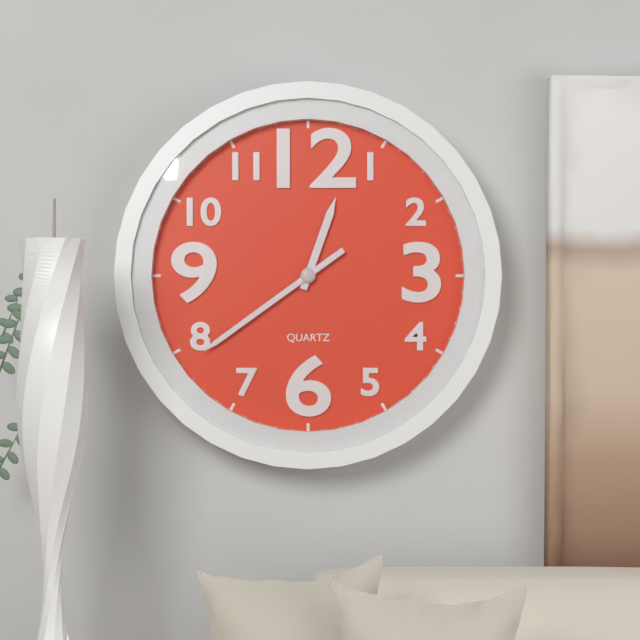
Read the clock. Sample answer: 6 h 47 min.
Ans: 12 h 39 min
